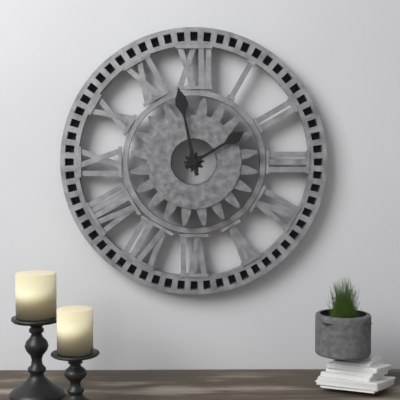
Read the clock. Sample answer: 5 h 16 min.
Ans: 1 h 58 min
